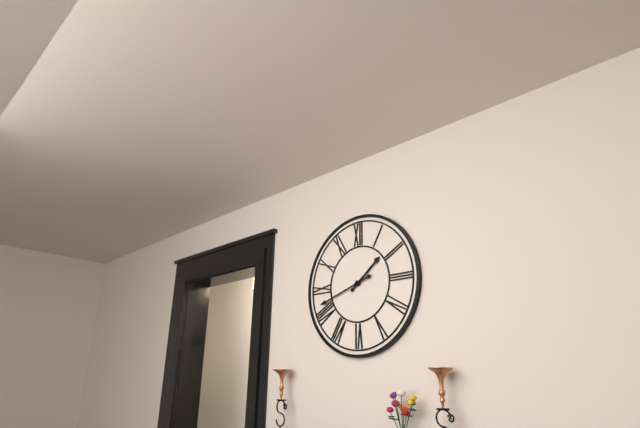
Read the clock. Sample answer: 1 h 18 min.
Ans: 1 h 42 min
